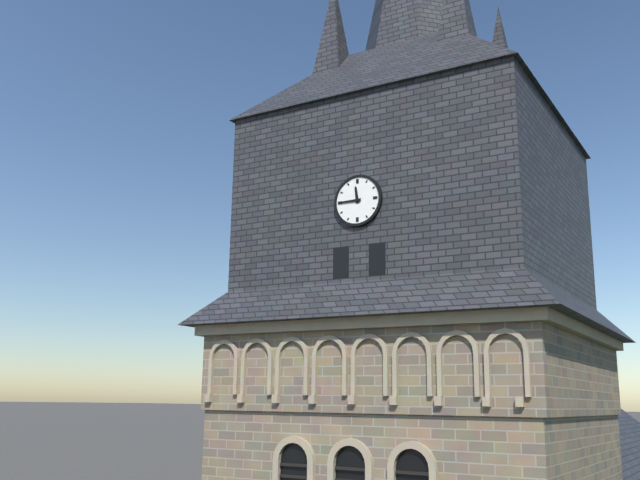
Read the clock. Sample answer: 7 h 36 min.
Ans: 11 h 45 min
